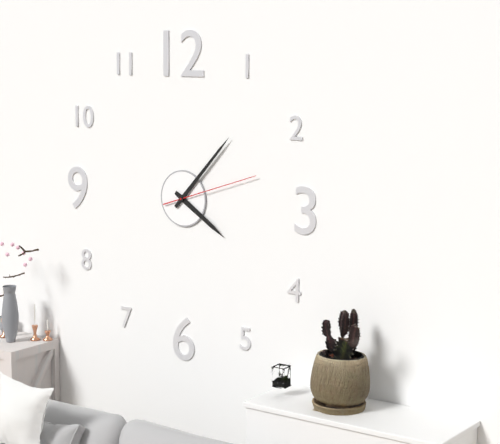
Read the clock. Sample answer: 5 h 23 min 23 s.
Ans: 4 h 07 min 12 s
